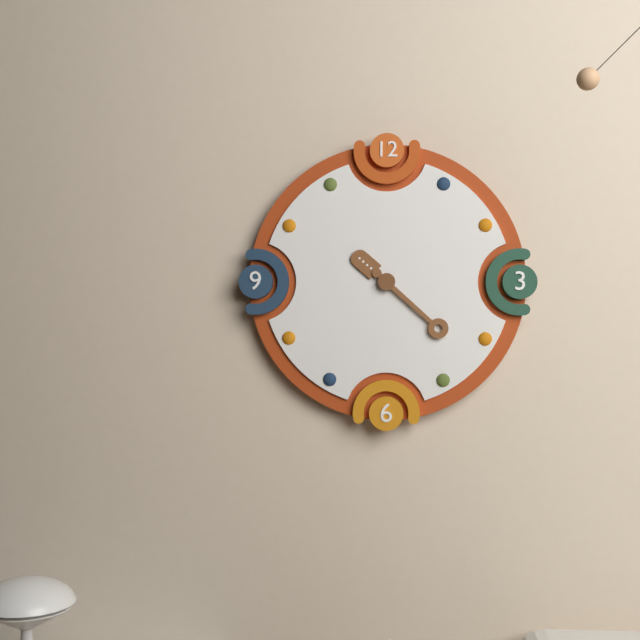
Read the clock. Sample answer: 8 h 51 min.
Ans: 10 h 22 min
